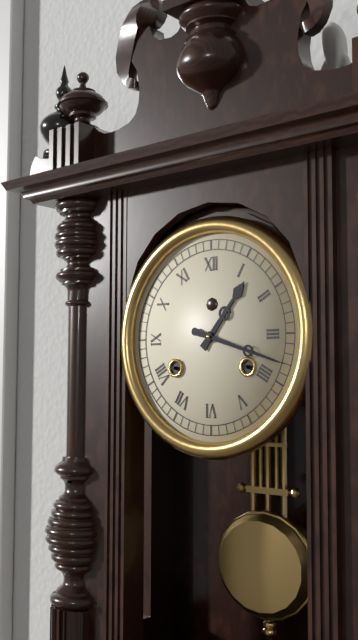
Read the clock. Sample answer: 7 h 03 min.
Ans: 1 h 18 min
